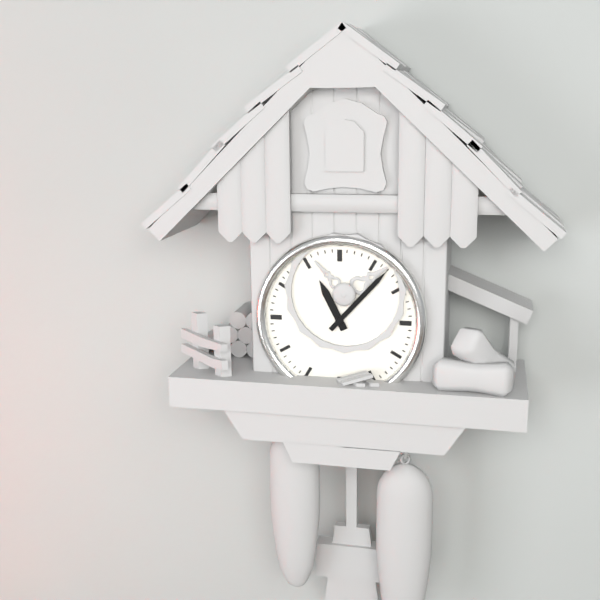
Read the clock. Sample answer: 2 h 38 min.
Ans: 11 h 07 min
